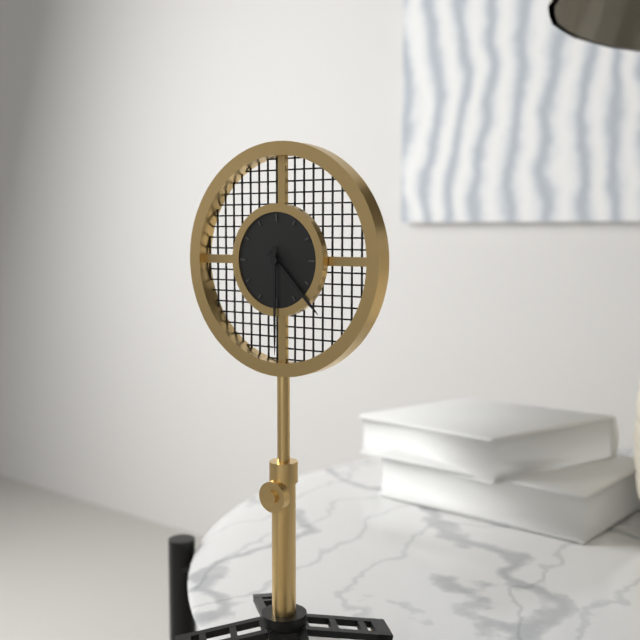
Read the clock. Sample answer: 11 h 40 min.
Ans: 4 h 30 min
